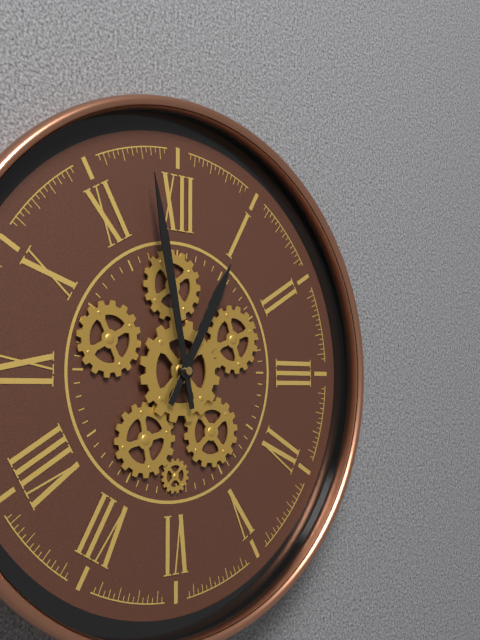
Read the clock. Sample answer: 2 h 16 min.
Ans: 12 h 58 min
